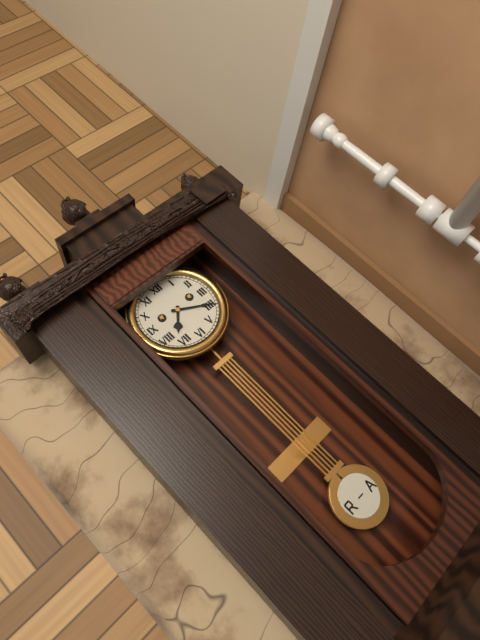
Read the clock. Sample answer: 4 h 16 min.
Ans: 7 h 20 min
